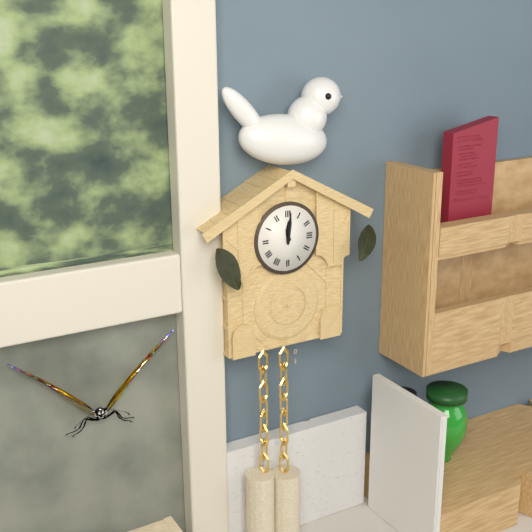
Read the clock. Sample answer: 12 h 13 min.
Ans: 12 h 01 min
